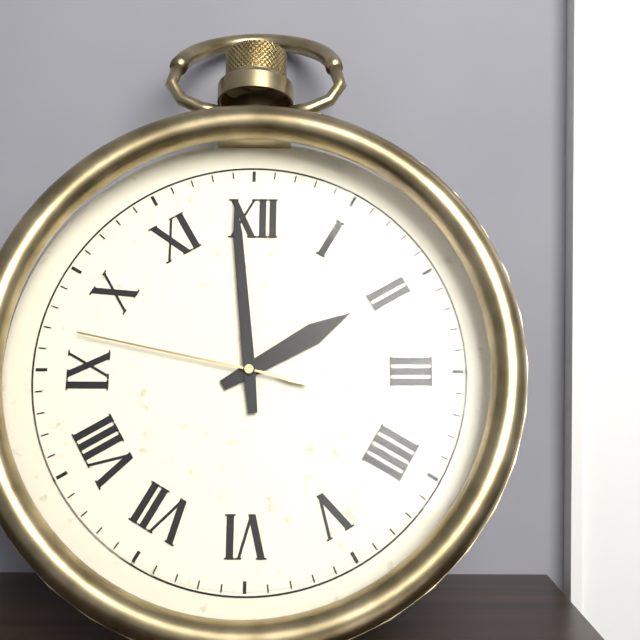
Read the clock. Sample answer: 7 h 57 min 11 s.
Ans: 1 h 59 min 47 s
